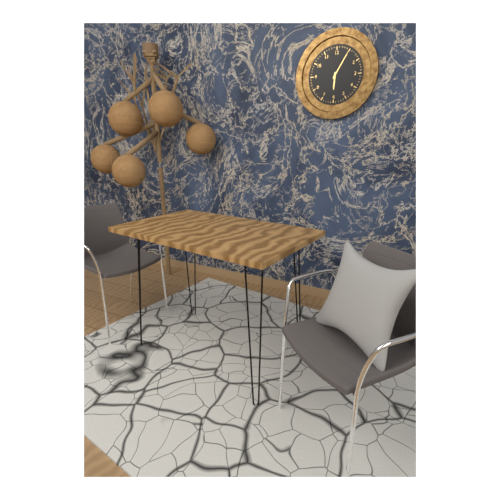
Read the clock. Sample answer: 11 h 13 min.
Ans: 6 h 05 min
